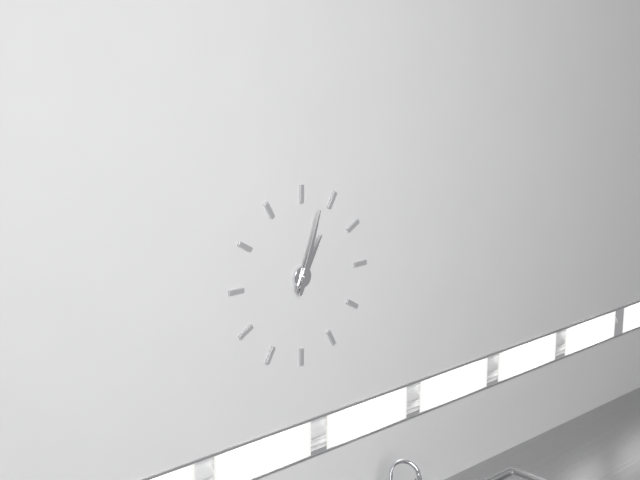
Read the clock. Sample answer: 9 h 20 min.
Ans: 1 h 03 min
